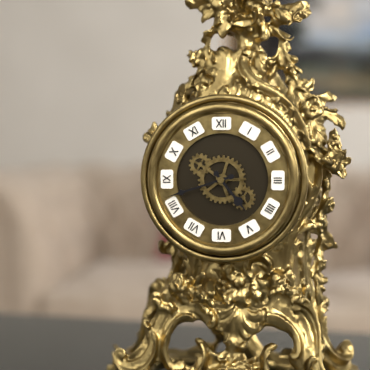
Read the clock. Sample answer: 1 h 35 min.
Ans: 4 h 42 min
